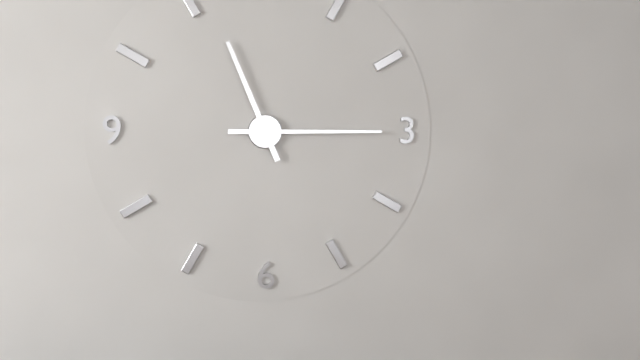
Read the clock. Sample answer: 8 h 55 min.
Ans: 11 h 15 min
